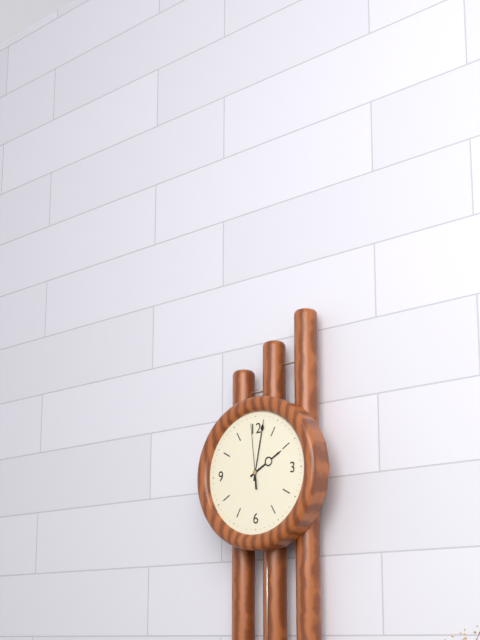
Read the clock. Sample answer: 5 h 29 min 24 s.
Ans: 2 h 02 min 59 s
